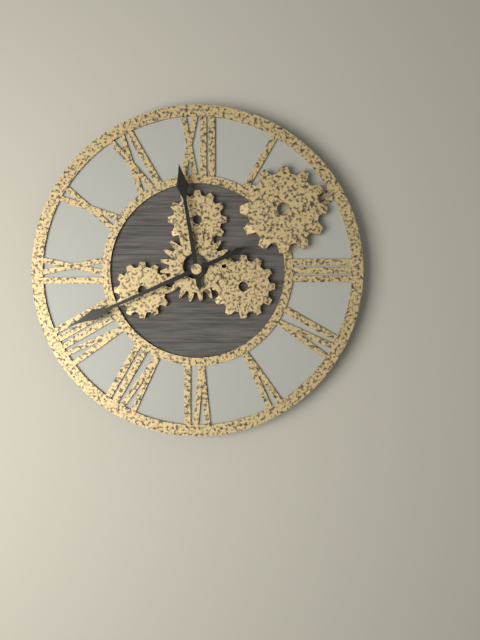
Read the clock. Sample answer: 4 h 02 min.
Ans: 11 h 41 min
